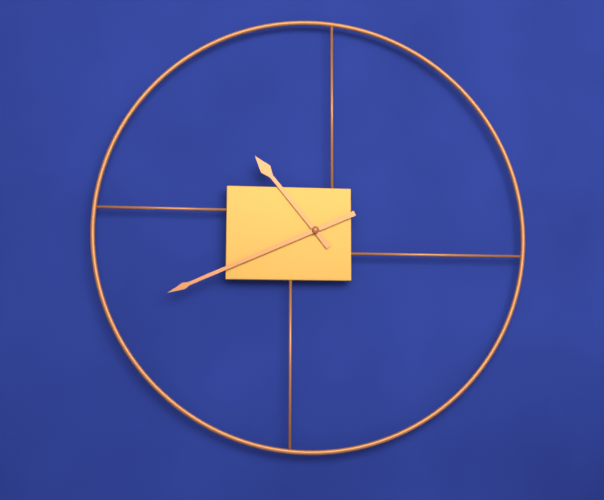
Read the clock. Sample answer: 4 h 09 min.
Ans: 10 h 41 min
